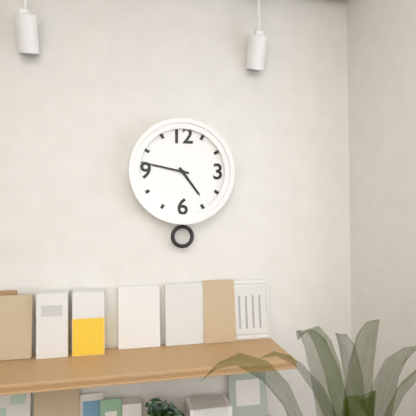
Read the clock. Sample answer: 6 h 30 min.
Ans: 4 h 47 min
